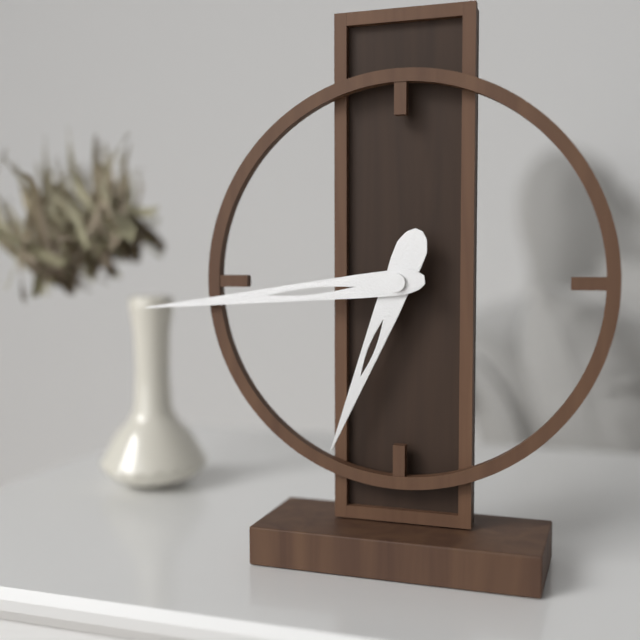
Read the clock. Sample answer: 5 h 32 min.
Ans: 6 h 44 min
